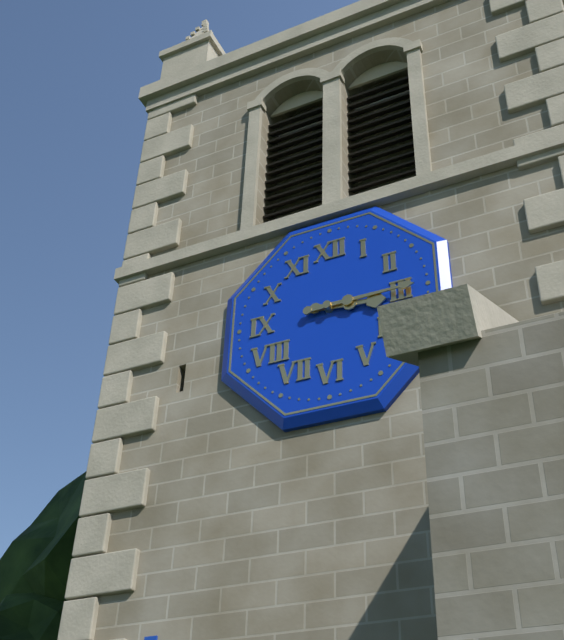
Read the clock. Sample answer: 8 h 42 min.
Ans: 3 h 15 min
